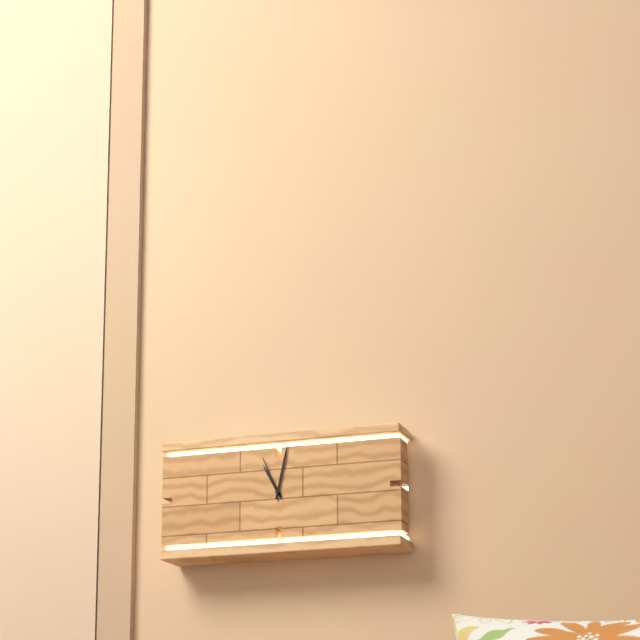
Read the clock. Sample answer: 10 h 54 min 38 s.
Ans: 11 h 02 min 56 s
